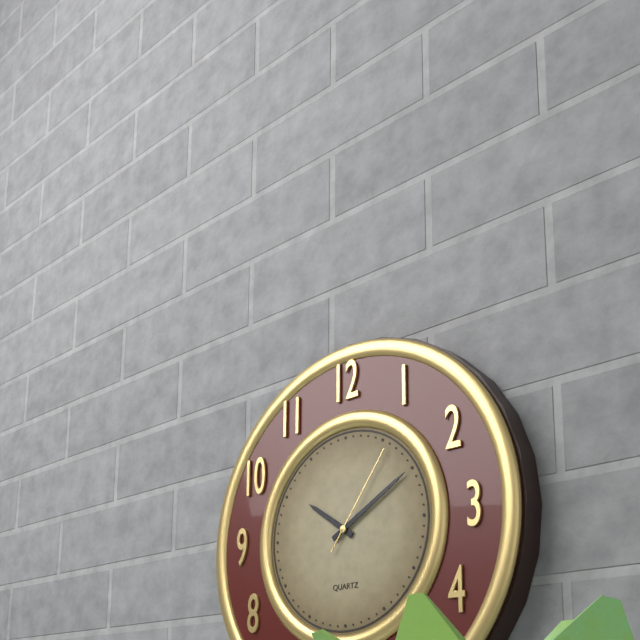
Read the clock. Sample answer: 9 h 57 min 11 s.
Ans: 10 h 10 min 06 s
